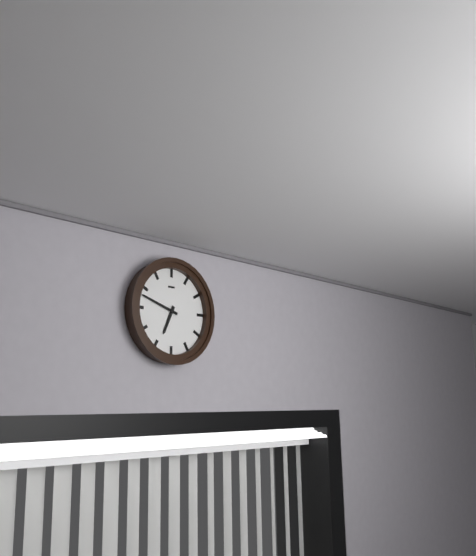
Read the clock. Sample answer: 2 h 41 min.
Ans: 6 h 48 min
